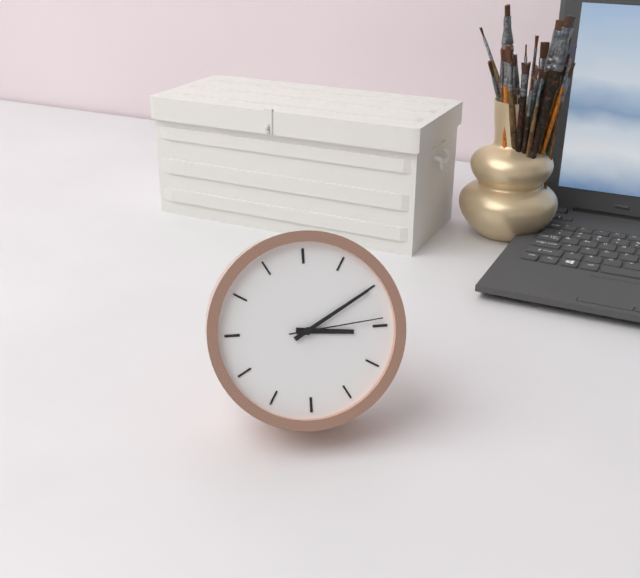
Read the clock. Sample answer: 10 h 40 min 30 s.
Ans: 3 h 10 min 14 s
